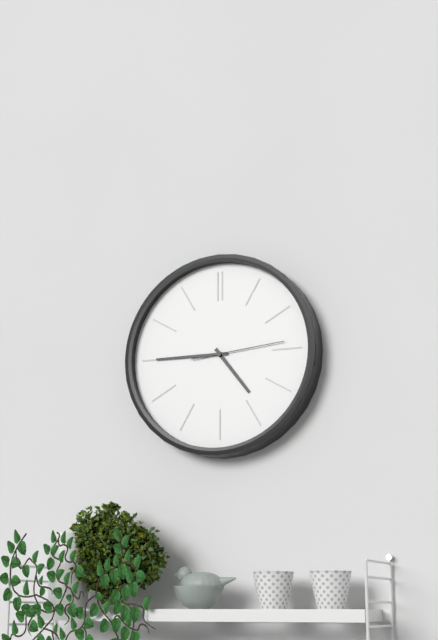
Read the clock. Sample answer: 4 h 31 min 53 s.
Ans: 4 h 45 min 14 s
